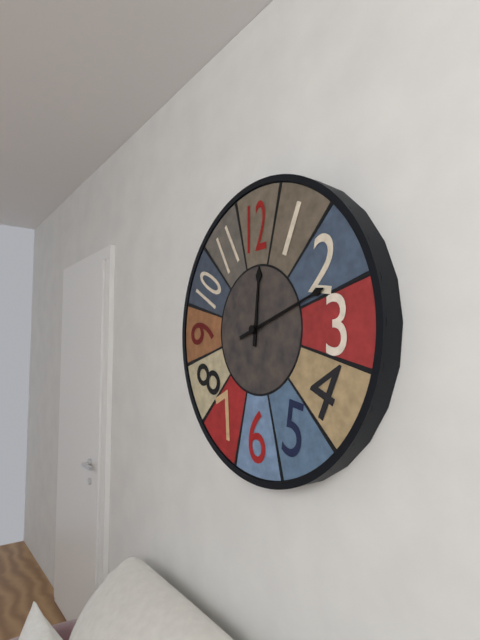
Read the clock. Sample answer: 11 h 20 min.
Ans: 12 h 12 min
